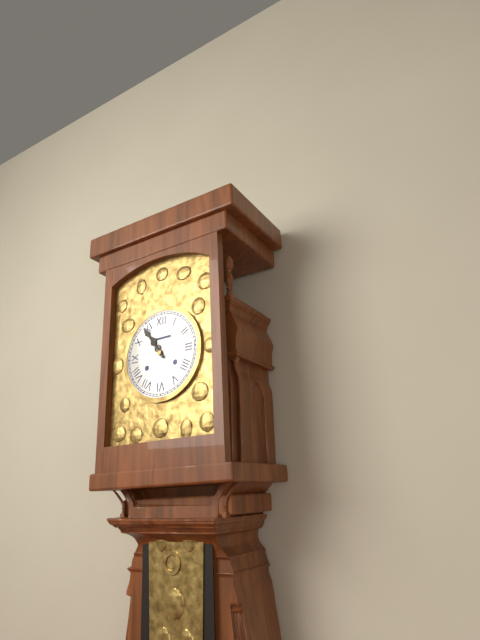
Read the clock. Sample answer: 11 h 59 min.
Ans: 10 h 54 min
